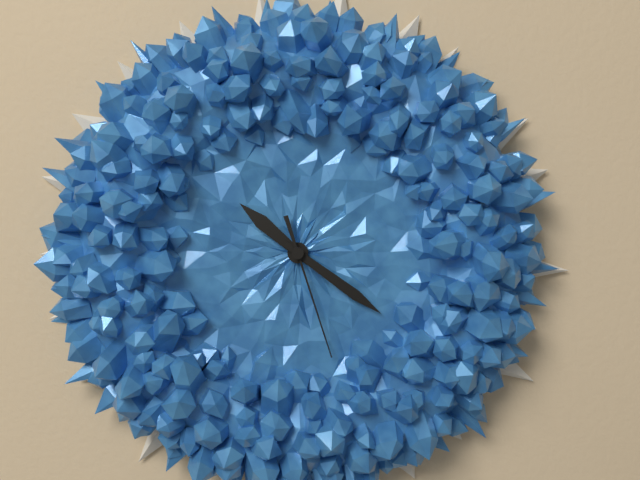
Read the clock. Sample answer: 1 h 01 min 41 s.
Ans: 10 h 21 min 27 s
